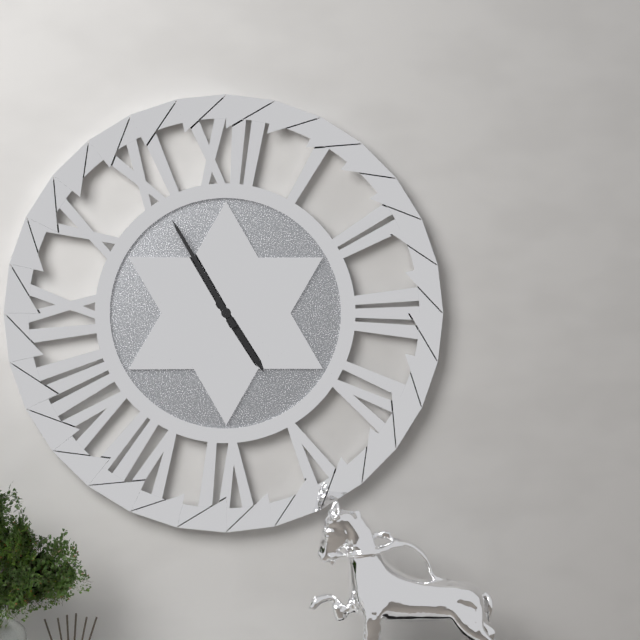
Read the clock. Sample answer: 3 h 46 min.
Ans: 4 h 55 min
